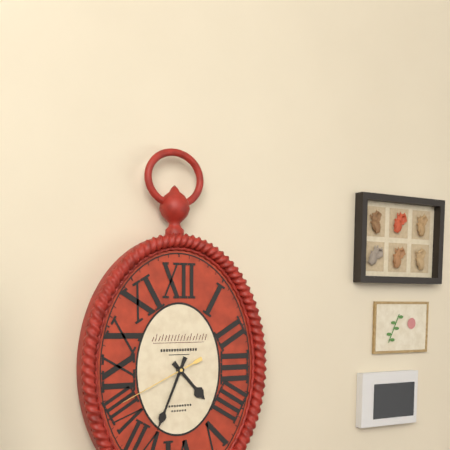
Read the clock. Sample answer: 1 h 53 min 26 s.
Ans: 4 h 34 min 41 s
